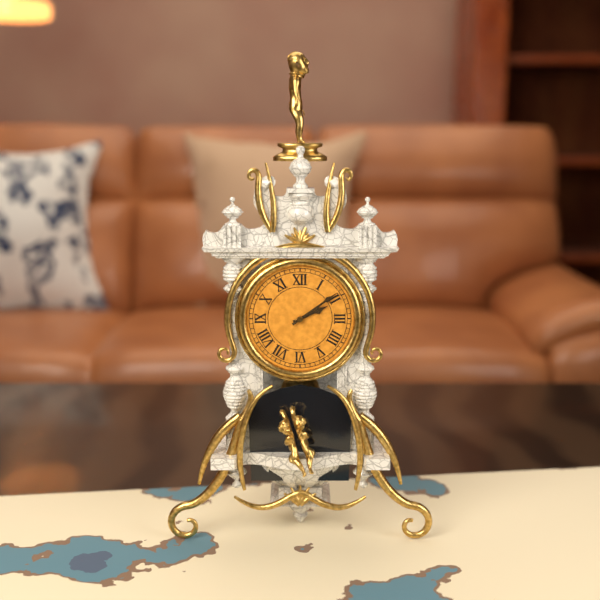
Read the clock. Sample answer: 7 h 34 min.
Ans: 2 h 09 min
